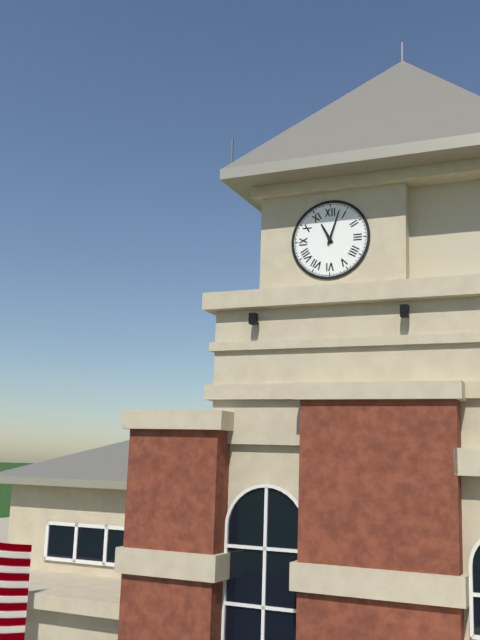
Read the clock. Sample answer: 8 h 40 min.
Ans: 11 h 03 min
